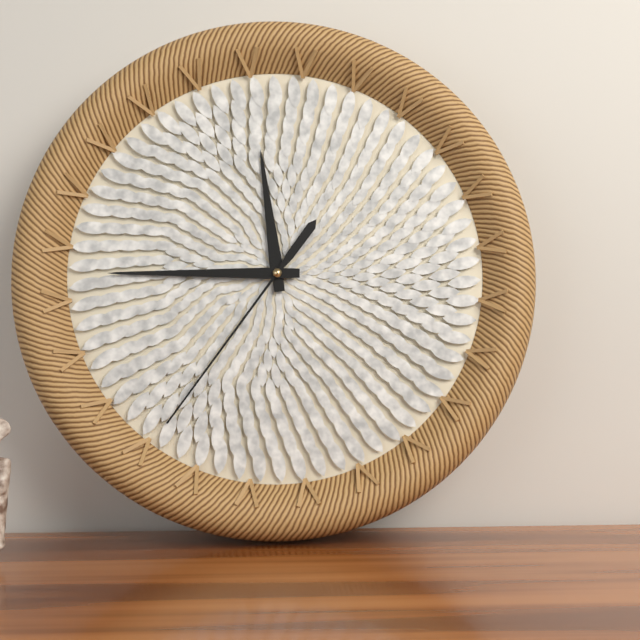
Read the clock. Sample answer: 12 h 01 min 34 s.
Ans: 11 h 45 min 36 s
